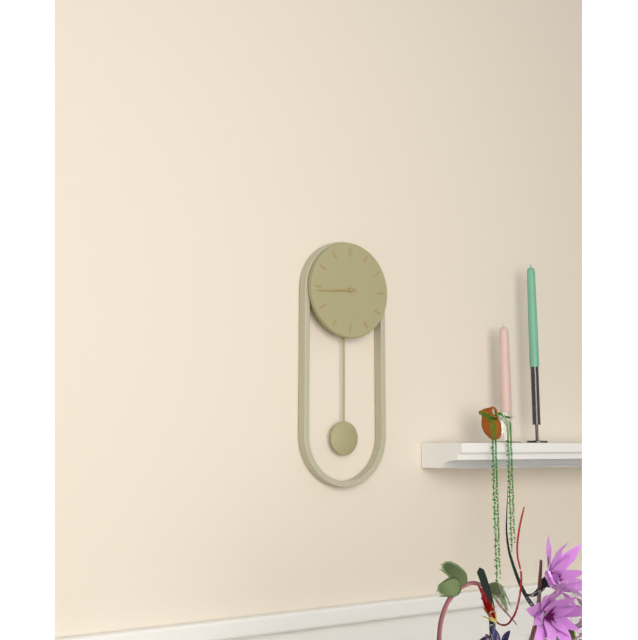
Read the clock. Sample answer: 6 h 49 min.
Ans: 8 h 44 min
